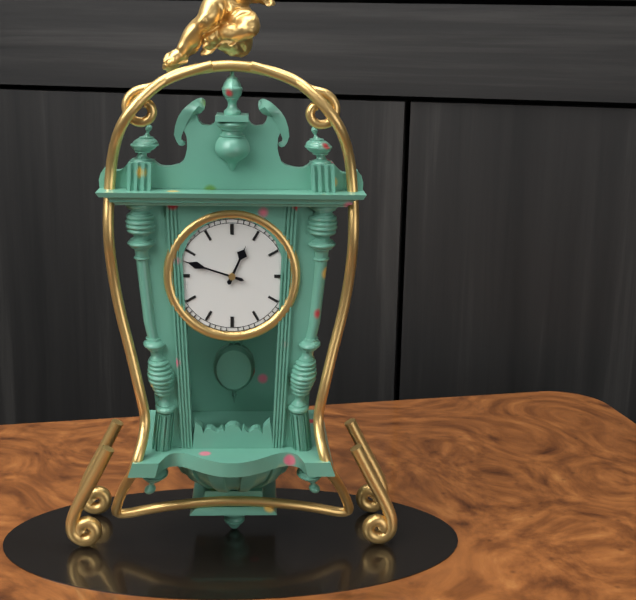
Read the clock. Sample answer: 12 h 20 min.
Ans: 12 h 48 min
